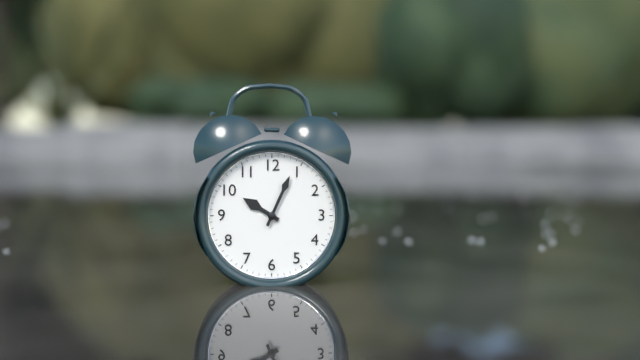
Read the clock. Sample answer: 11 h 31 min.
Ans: 10 h 04 min
